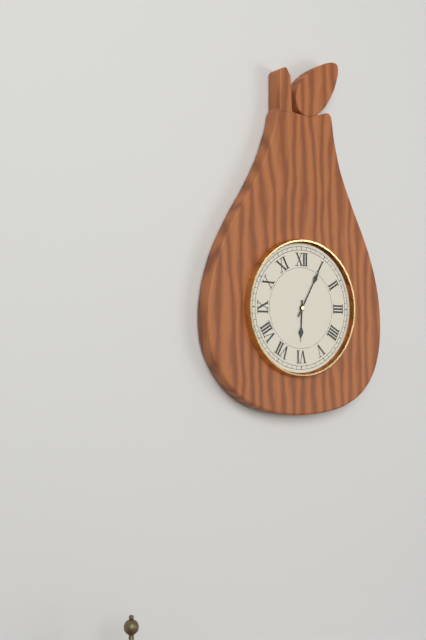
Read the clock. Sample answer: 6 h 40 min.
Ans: 6 h 05 min
